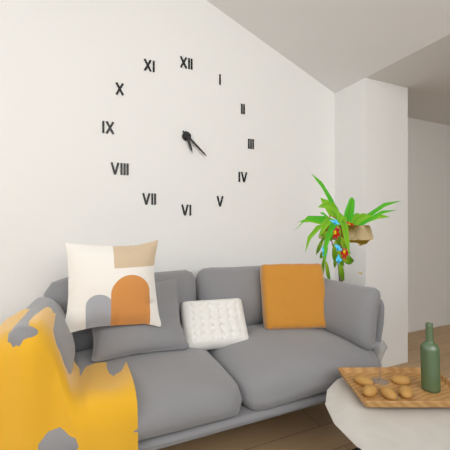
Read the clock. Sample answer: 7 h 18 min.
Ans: 5 h 22 min
